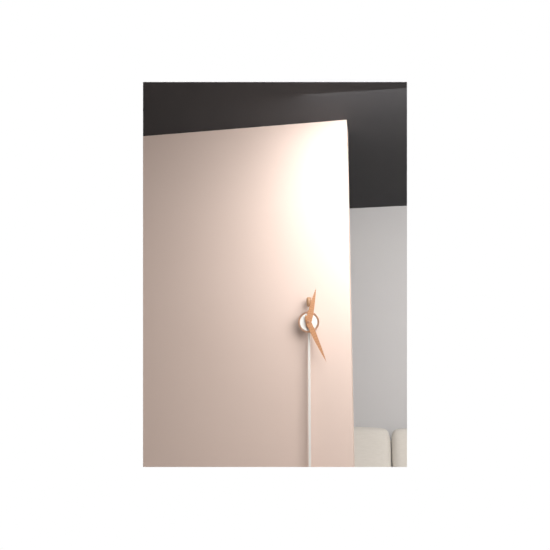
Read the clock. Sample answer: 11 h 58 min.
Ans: 12 h 26 min
